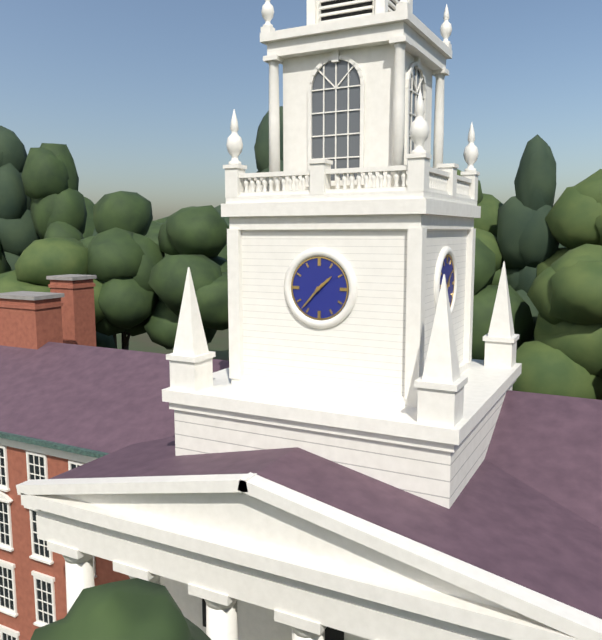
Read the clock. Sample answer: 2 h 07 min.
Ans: 1 h 37 min
